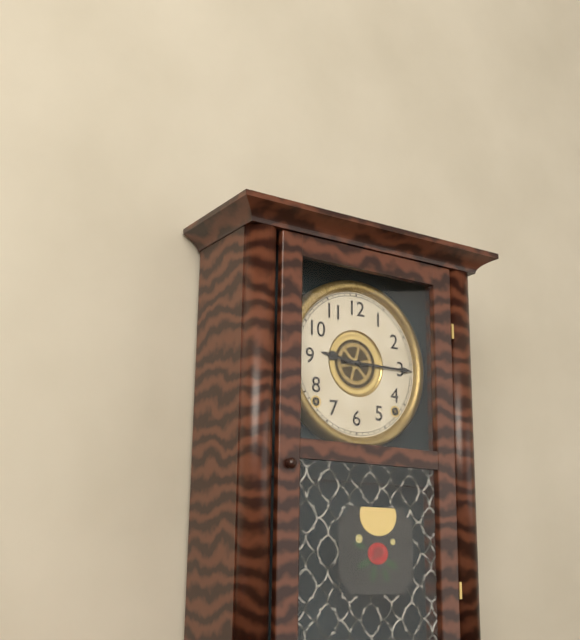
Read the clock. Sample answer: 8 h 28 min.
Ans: 9 h 15 min
